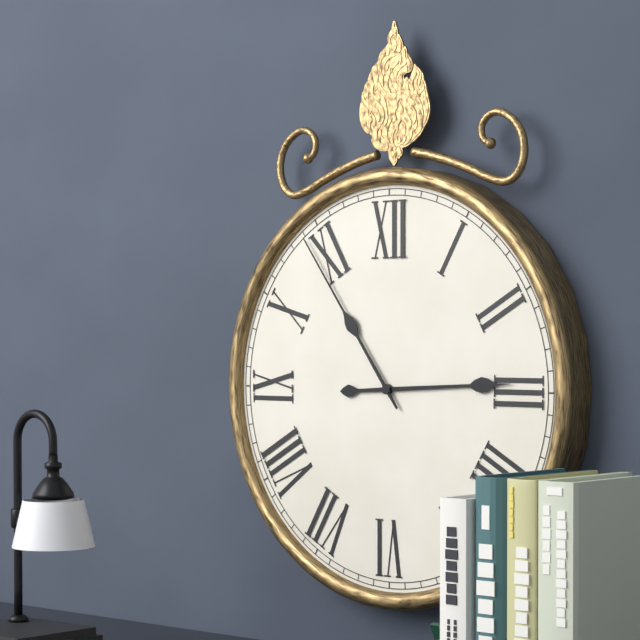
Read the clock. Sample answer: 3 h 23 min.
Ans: 2 h 54 min
